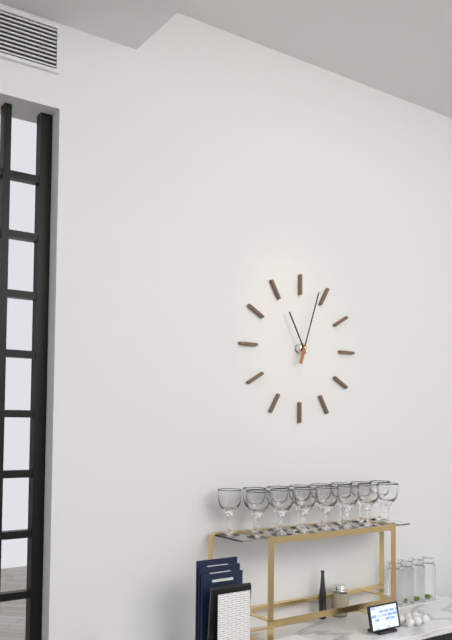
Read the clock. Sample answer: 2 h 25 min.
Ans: 11 h 03 min
